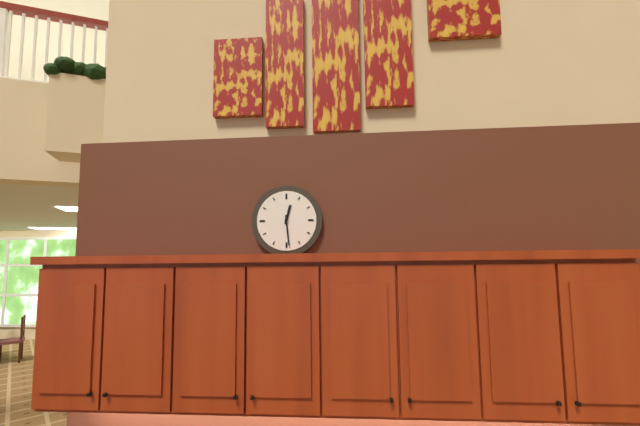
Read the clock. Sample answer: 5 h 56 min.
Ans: 12 h 29 min
